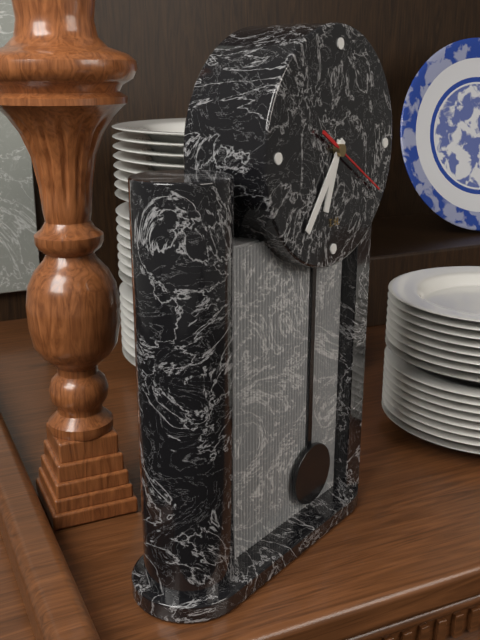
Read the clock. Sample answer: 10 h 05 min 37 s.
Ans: 6 h 36 min 20 s
